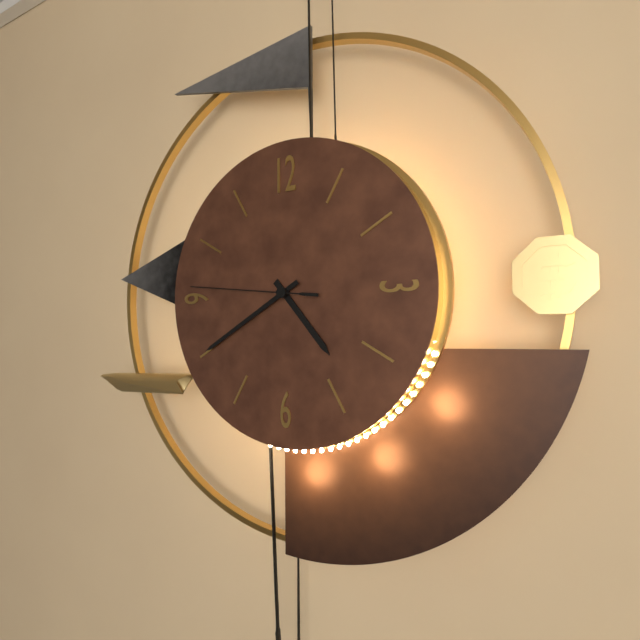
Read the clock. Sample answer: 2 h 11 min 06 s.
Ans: 4 h 40 min 46 s
